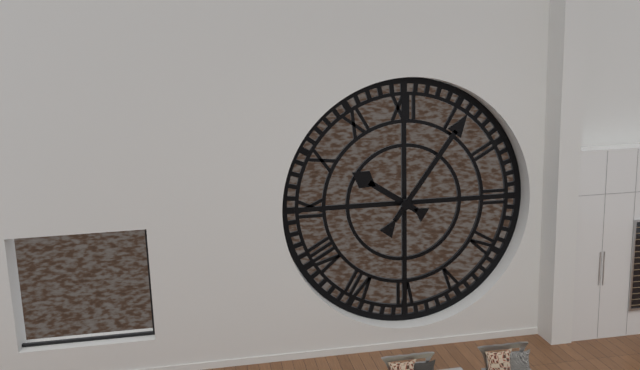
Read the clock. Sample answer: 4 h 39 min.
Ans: 10 h 06 min
